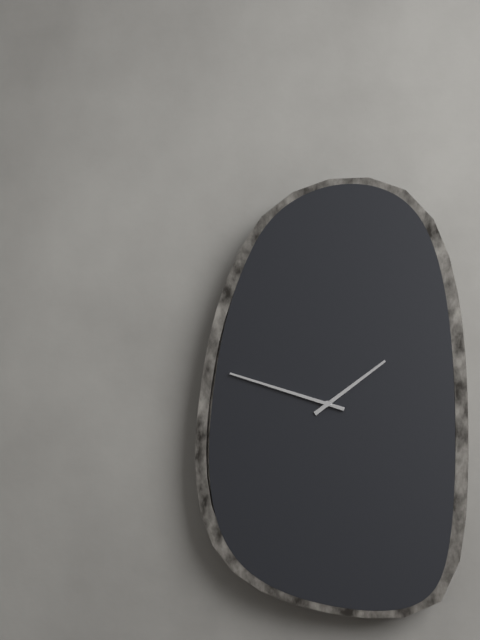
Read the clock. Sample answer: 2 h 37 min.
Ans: 1 h 48 min
